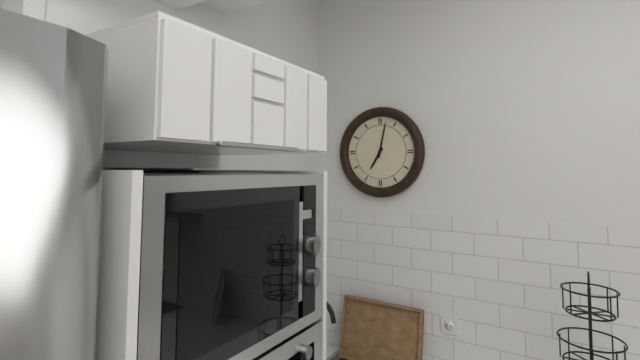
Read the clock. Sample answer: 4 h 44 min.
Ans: 7 h 02 min
